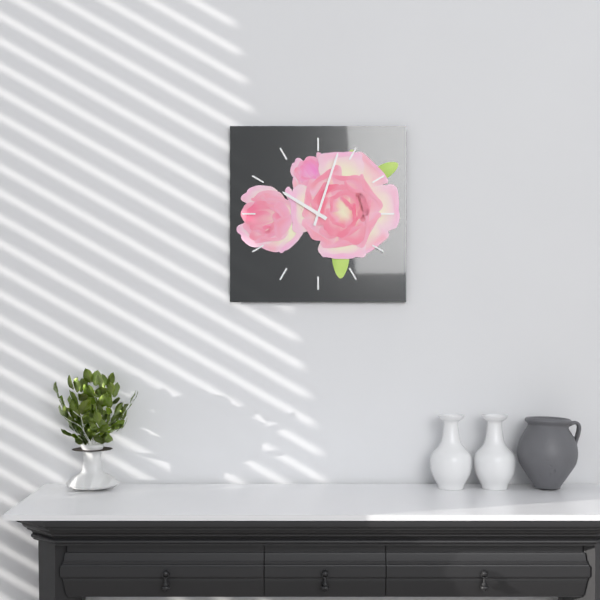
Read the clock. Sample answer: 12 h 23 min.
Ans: 10 h 03 min
